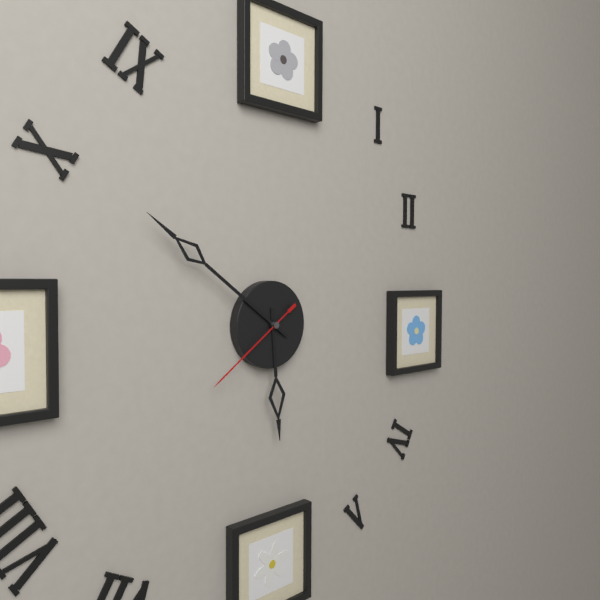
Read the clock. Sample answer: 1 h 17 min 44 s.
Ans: 5 h 51 min 39 s
